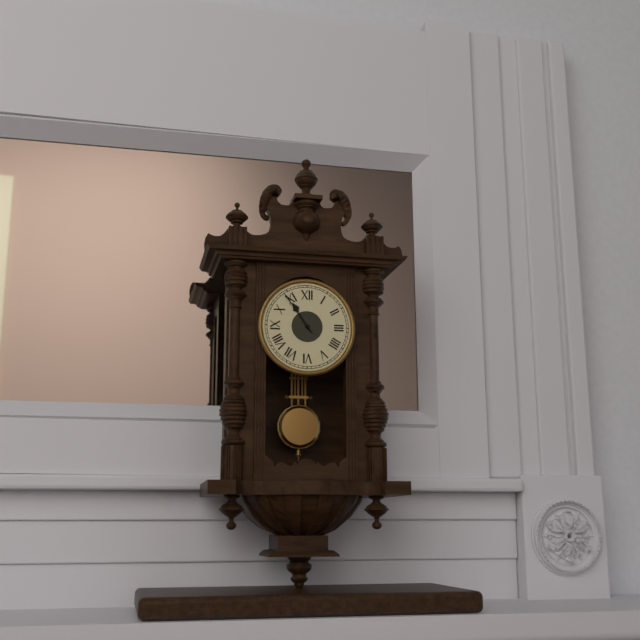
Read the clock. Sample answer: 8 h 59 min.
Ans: 10 h 54 min
